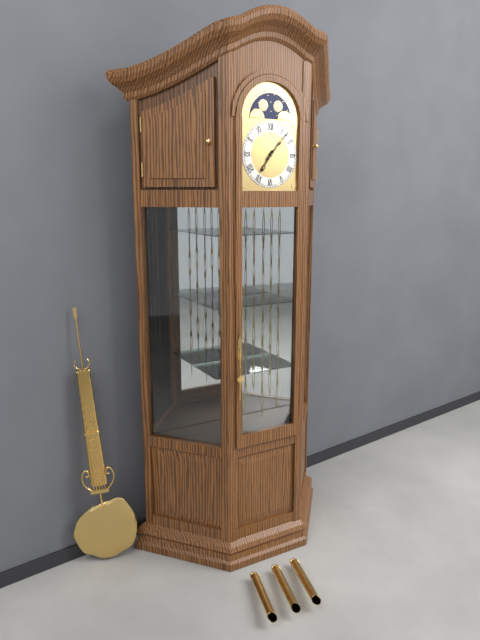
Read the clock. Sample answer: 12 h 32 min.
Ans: 7 h 07 min
